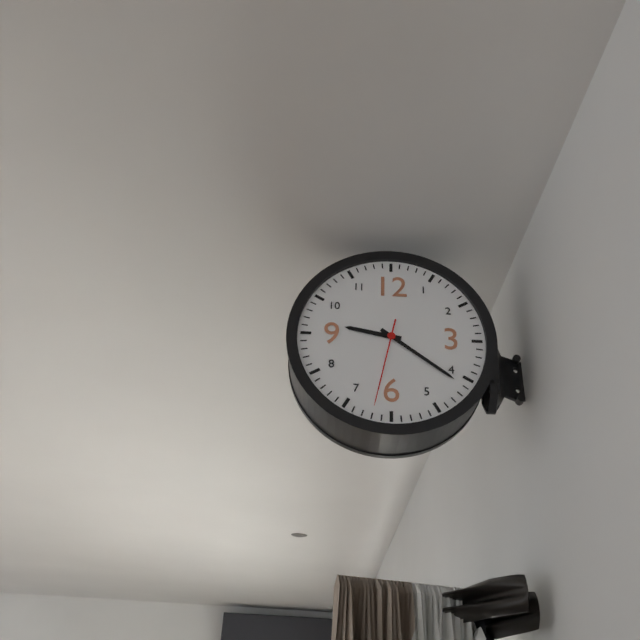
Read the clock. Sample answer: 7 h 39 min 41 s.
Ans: 9 h 21 min 32 s
